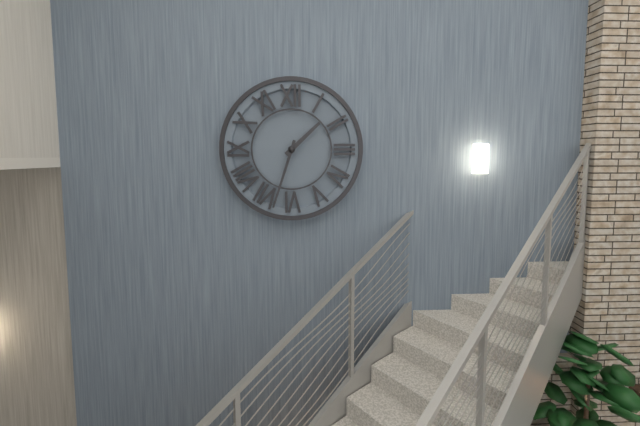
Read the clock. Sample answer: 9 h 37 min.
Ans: 1 h 33 min
